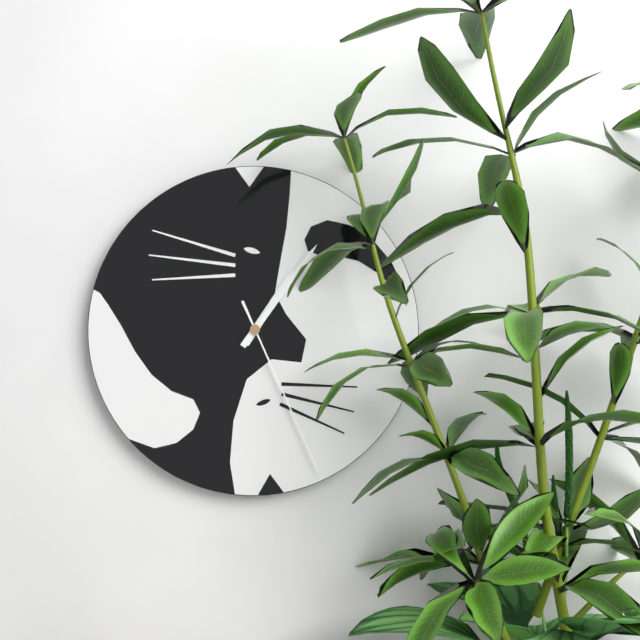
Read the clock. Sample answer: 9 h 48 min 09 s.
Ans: 1 h 06 min 26 s
